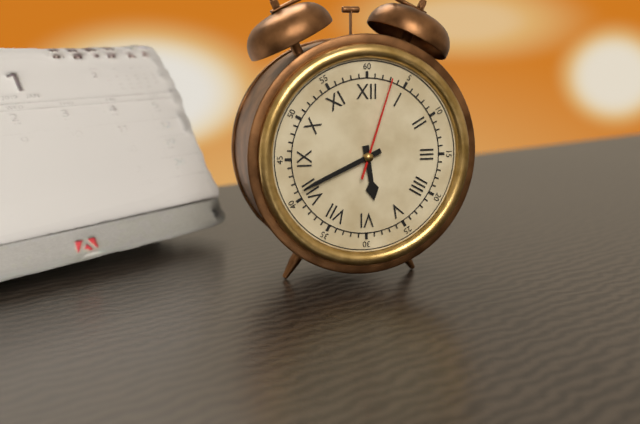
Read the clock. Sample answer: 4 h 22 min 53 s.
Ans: 5 h 41 min 03 s
